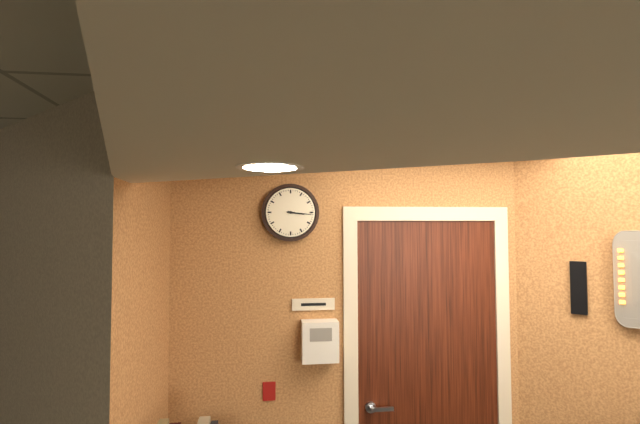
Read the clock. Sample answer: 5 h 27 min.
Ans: 3 h 16 min
